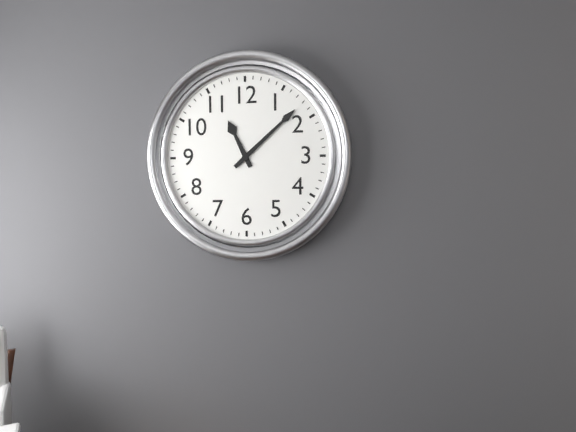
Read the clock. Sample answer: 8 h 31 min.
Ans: 11 h 08 min
